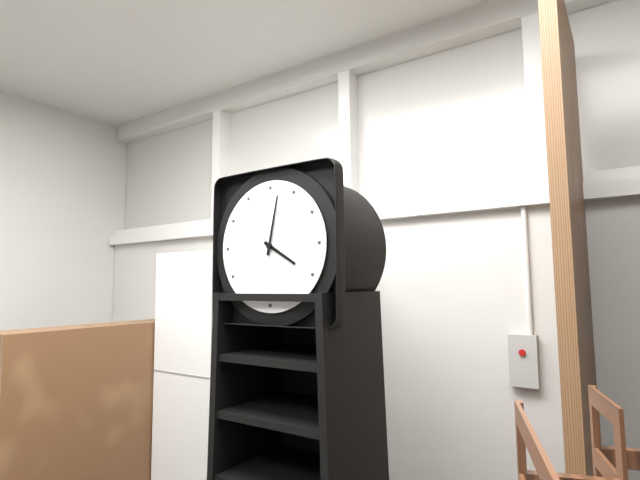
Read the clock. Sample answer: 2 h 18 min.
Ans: 4 h 02 min
